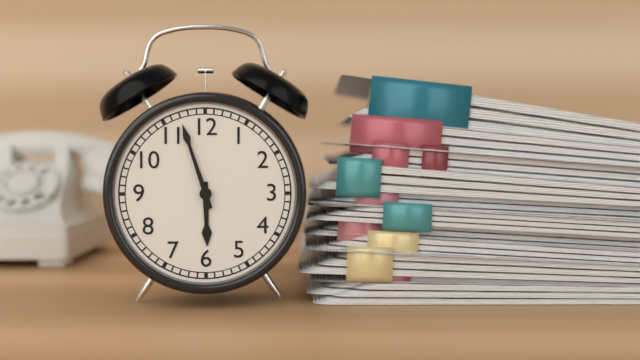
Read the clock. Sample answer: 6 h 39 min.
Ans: 5 h 57 min
